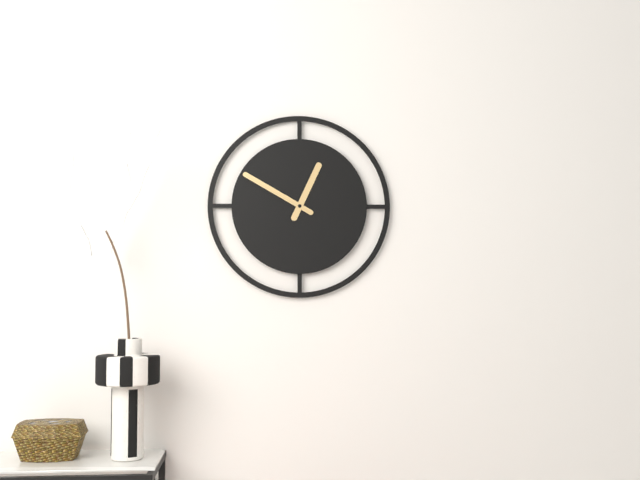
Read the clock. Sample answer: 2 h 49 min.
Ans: 12 h 50 min
